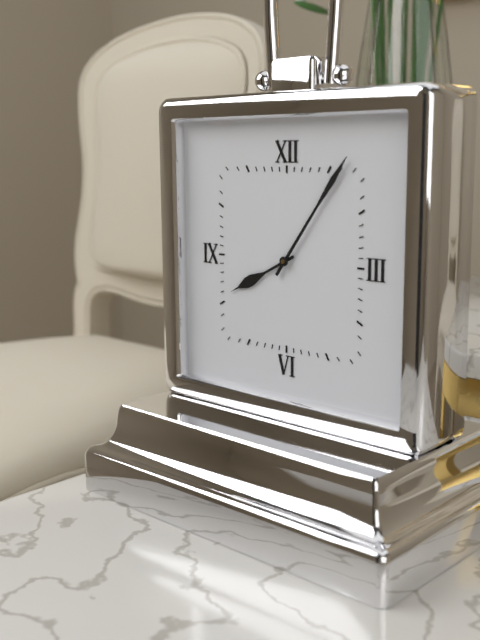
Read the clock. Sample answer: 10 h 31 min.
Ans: 8 h 06 min
